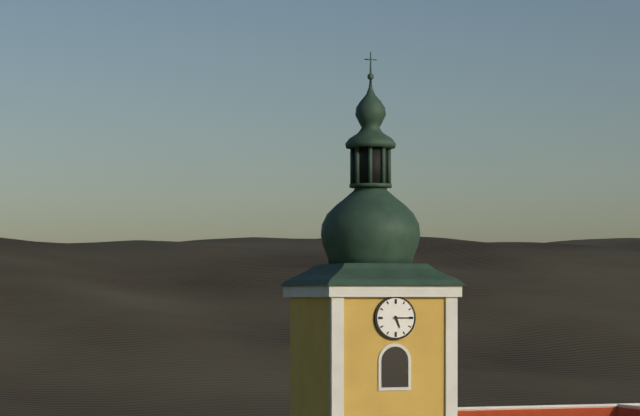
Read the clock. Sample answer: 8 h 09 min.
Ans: 5 h 15 min
